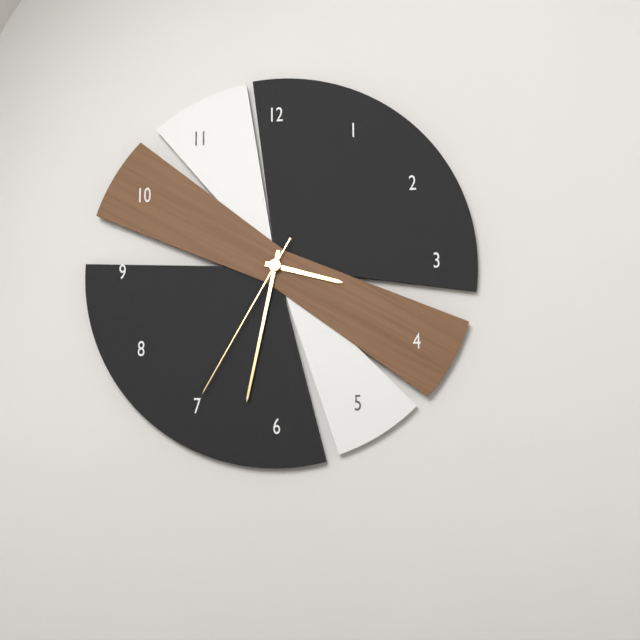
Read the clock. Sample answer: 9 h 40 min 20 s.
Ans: 3 h 32 min 35 s
